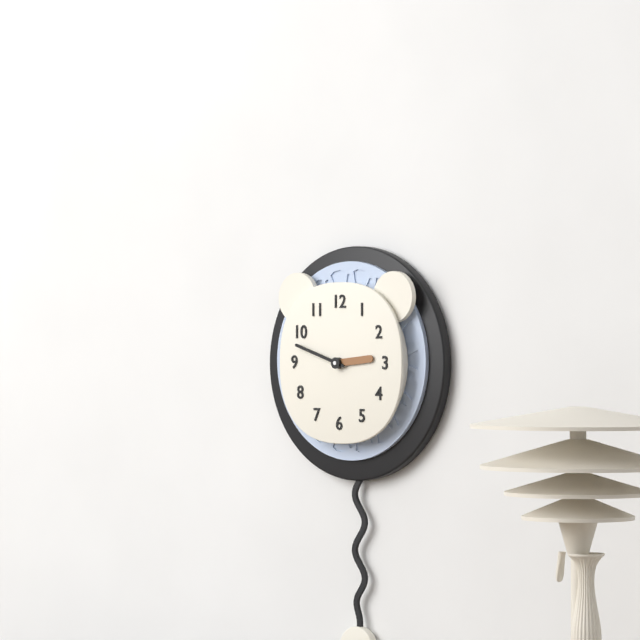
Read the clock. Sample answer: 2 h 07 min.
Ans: 2 h 48 min
